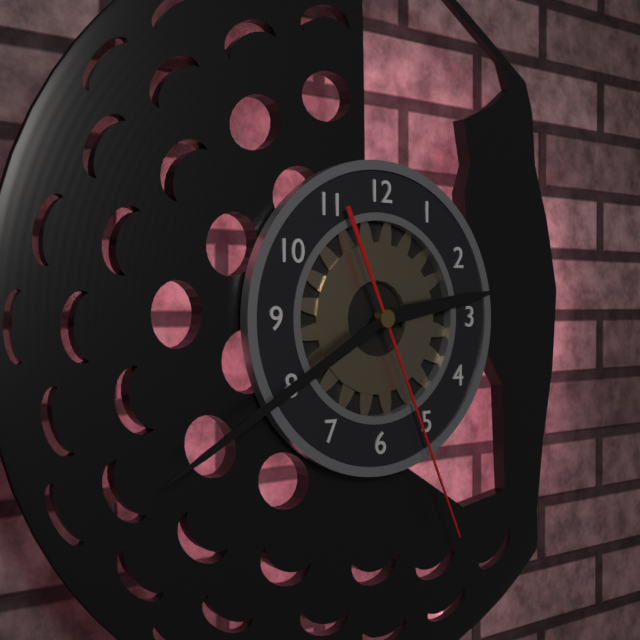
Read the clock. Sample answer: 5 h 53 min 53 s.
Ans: 2 h 40 min 26 s
